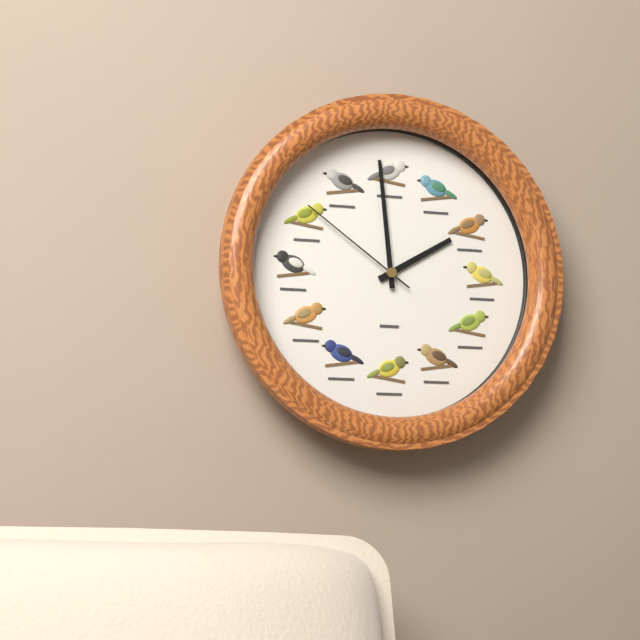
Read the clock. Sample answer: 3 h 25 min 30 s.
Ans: 1 h 59 min 51 s
